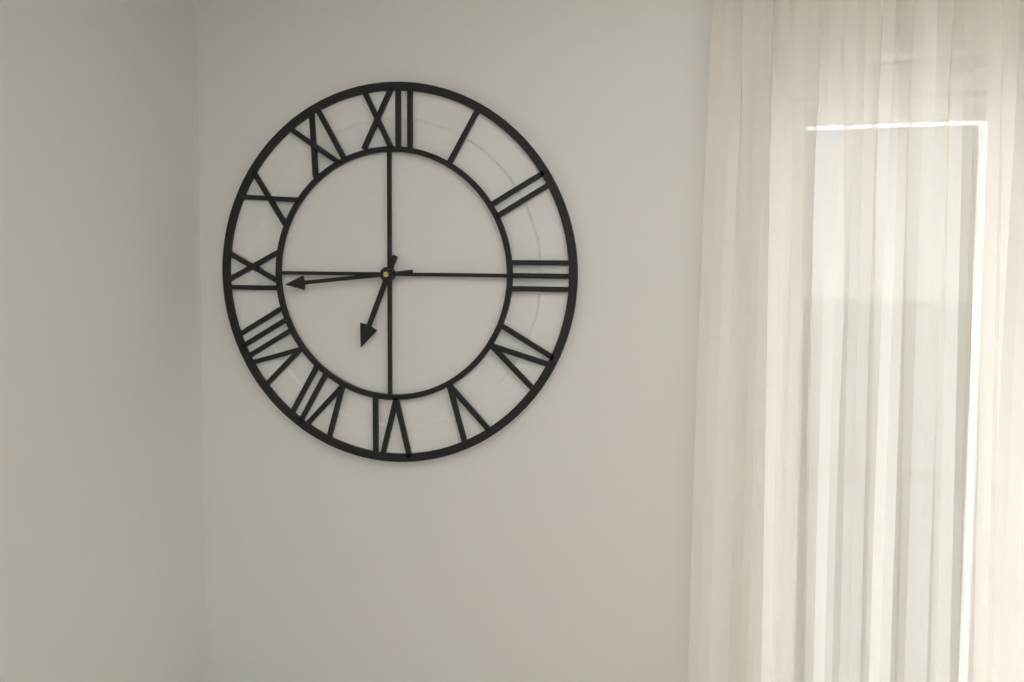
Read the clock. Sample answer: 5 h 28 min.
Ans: 6 h 44 min
